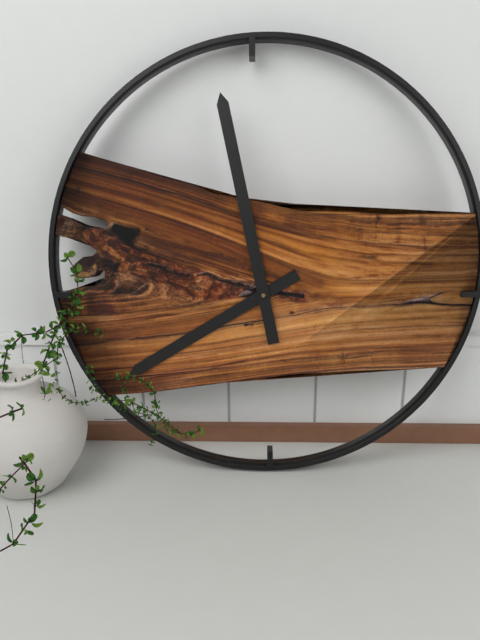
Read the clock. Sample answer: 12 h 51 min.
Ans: 7 h 58 min
